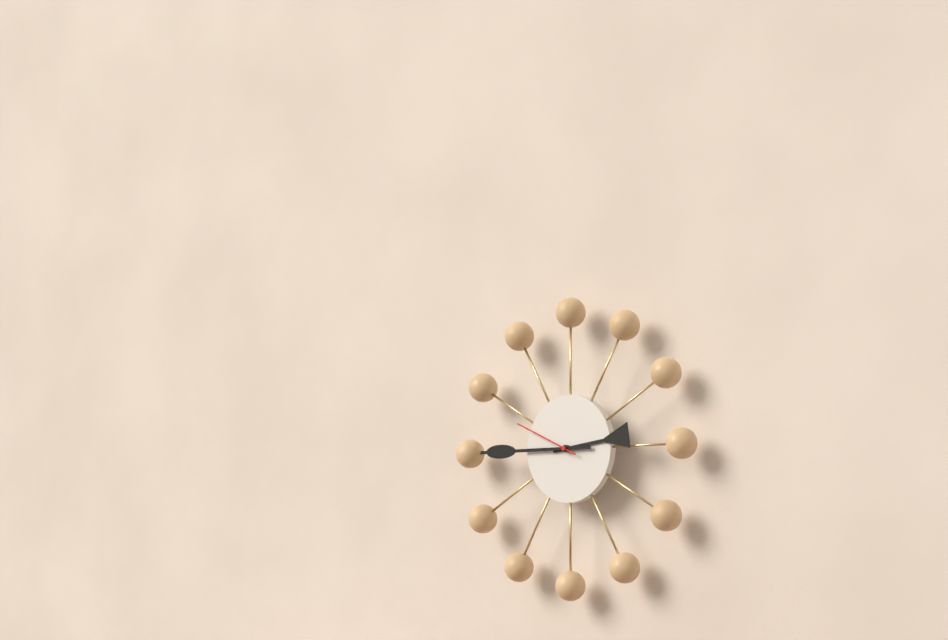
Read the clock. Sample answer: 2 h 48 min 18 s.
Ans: 2 h 45 min 49 s
